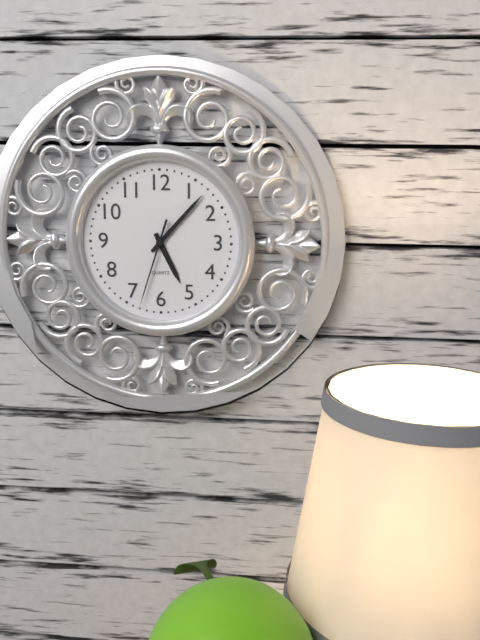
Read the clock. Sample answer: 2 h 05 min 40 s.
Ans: 5 h 07 min 33 s
